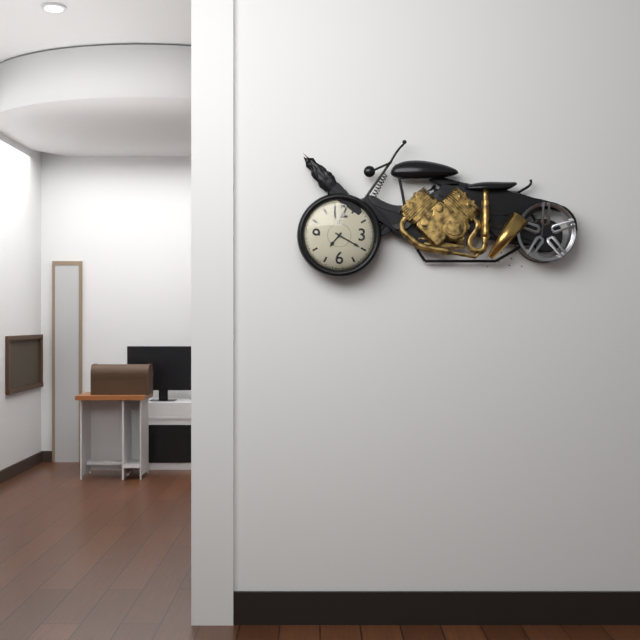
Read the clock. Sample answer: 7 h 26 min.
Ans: 7 h 20 min
